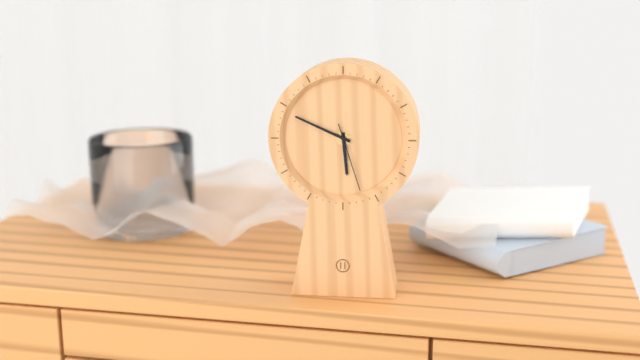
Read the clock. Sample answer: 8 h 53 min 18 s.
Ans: 5 h 49 min 27 s
